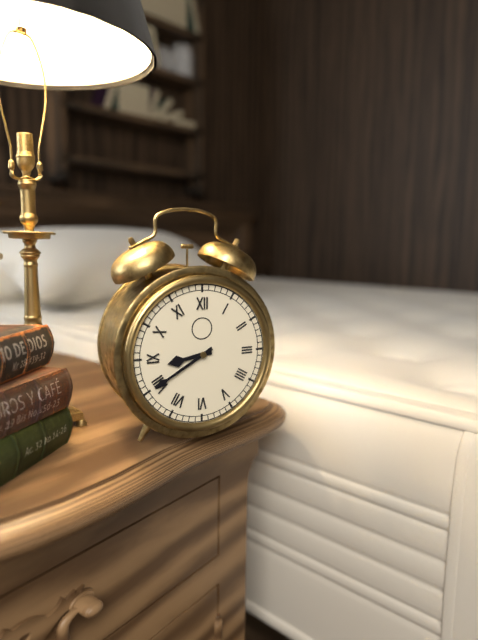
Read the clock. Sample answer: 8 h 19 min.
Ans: 8 h 40 min
